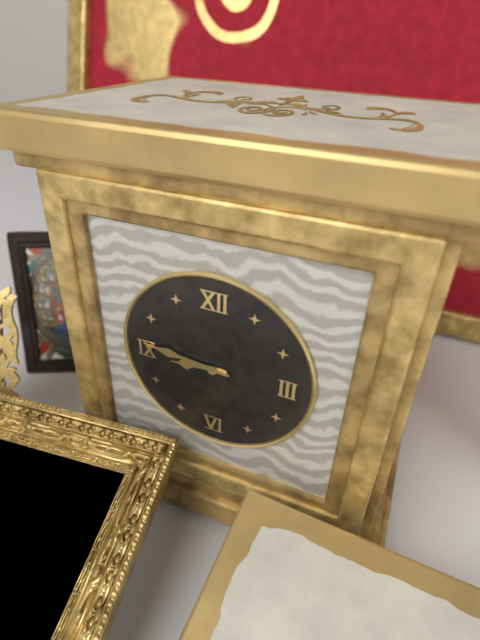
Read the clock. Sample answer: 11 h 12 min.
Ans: 8 h 46 min
